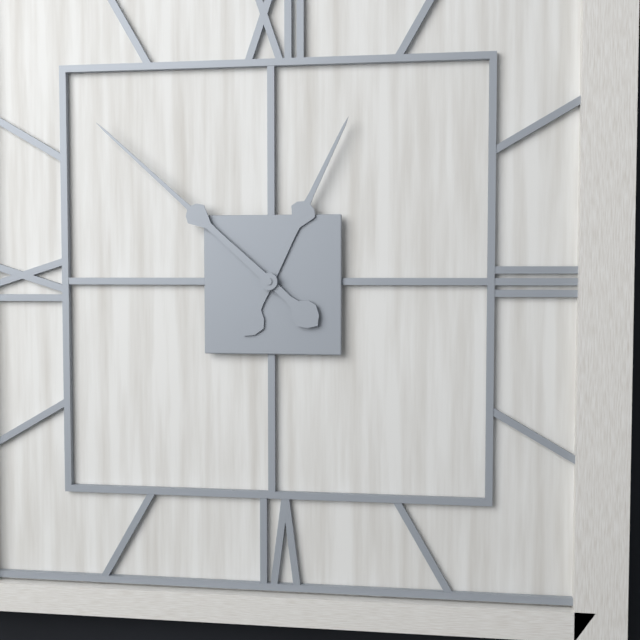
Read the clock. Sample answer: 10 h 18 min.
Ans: 12 h 52 min
